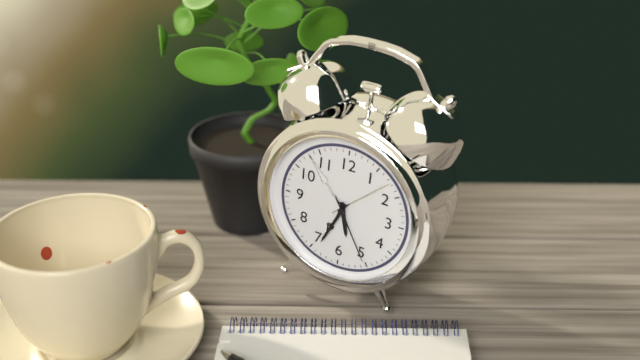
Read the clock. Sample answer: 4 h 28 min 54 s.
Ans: 5 h 34 min 25 s
